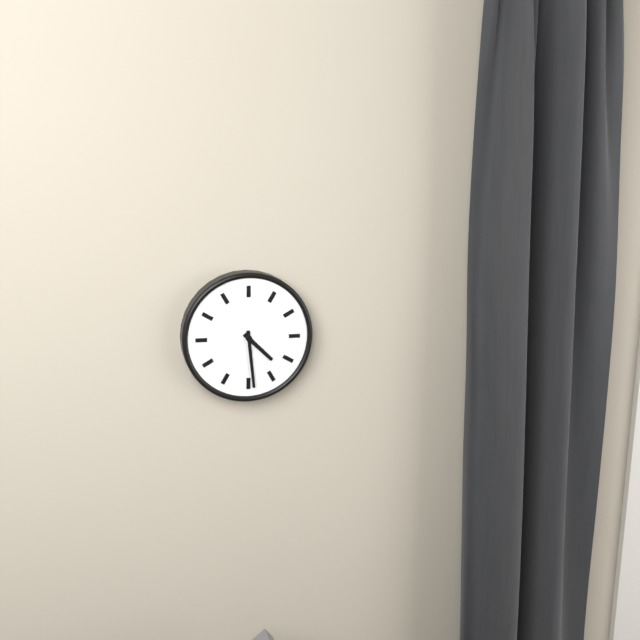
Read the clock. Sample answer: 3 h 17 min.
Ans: 4 h 29 min
